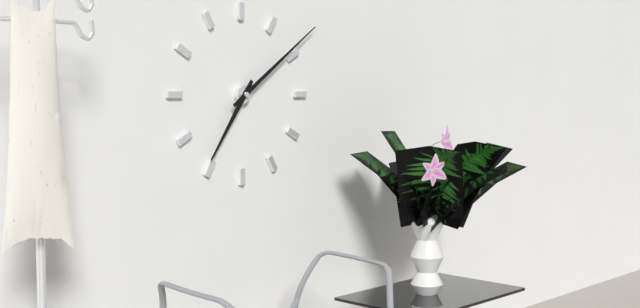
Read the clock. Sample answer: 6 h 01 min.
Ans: 7 h 09 min
